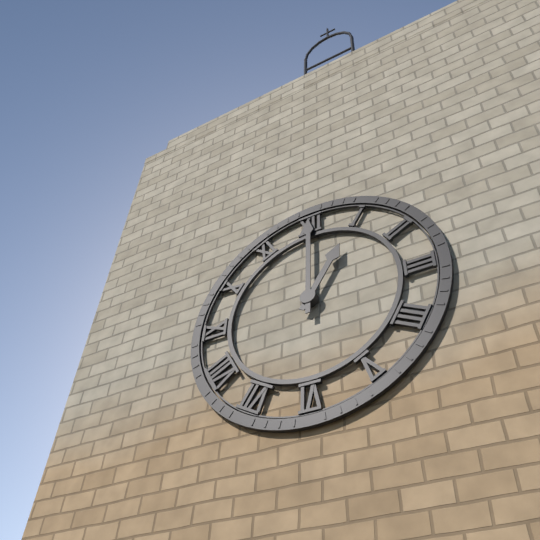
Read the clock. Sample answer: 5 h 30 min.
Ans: 1 h 00 min
